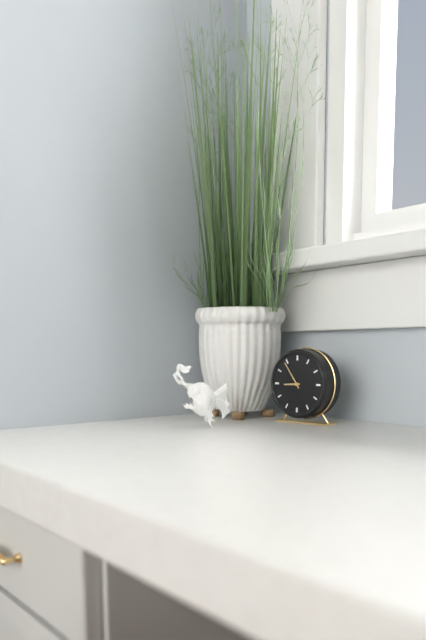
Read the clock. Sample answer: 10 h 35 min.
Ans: 8 h 54 min
